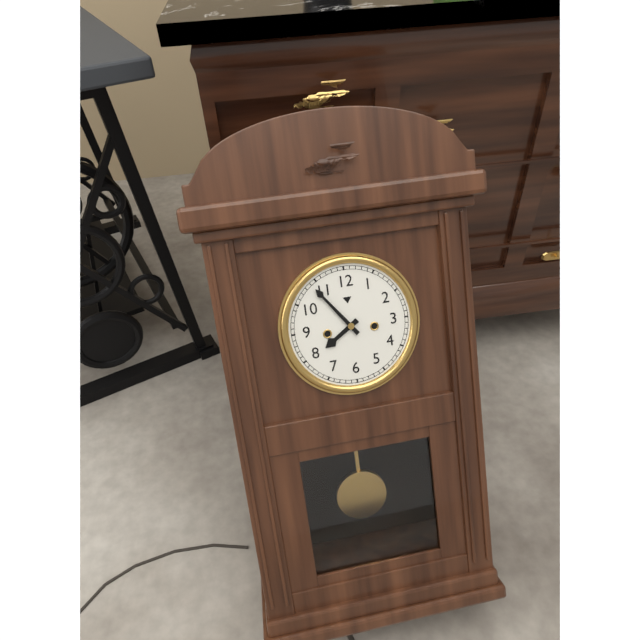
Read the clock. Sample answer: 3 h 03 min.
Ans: 7 h 54 min
